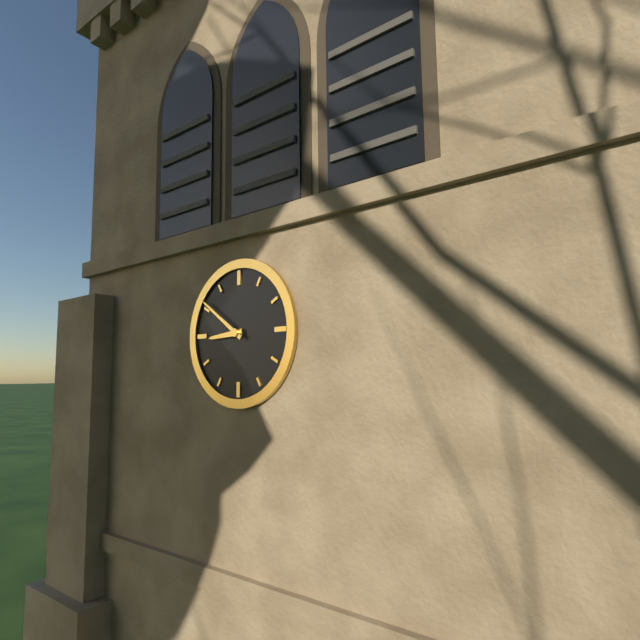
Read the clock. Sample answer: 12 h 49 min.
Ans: 8 h 51 min
